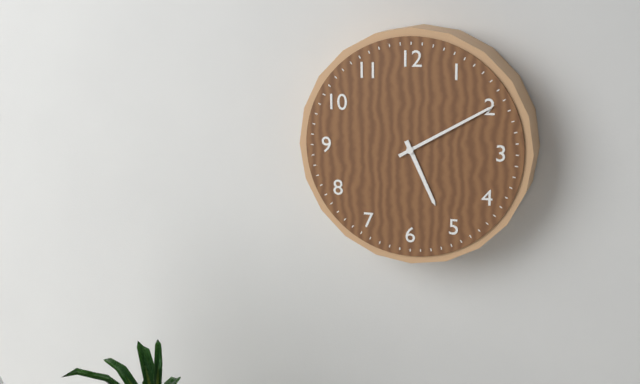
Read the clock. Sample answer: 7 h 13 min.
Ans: 5 h 10 min
